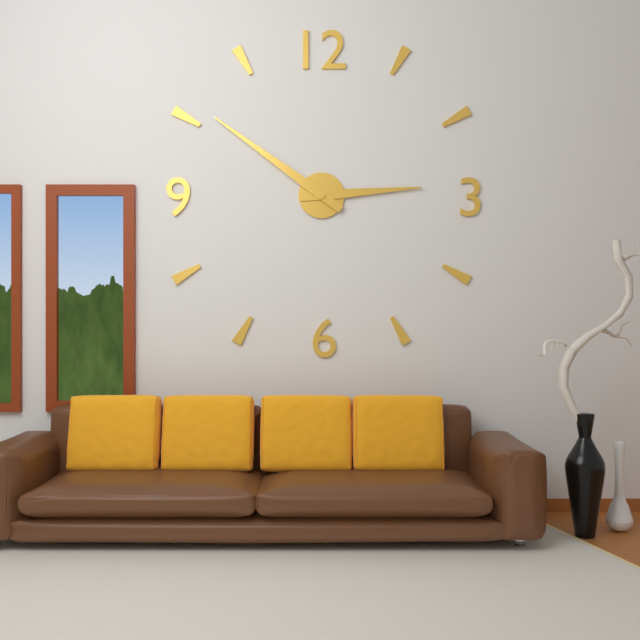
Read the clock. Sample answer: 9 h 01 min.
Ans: 2 h 51 min
